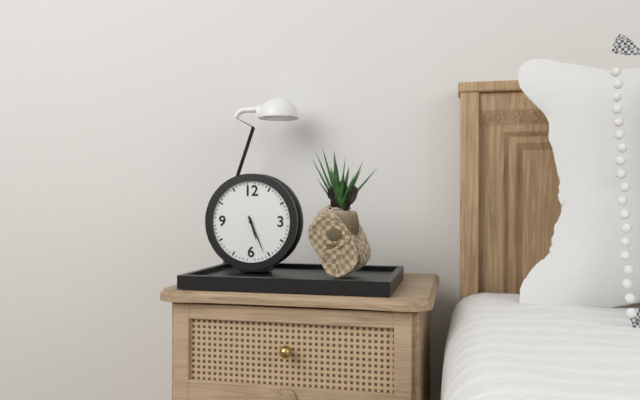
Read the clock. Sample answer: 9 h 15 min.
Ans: 5 h 26 min
